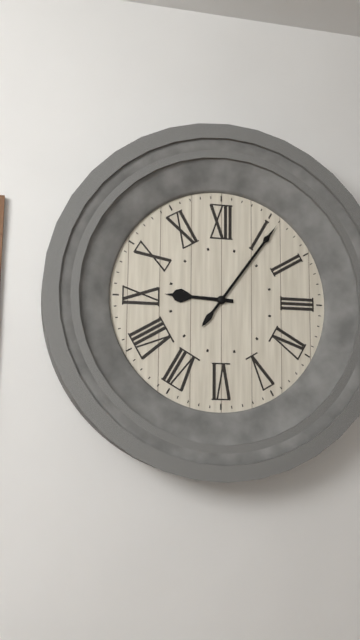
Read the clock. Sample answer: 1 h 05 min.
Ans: 9 h 06 min
